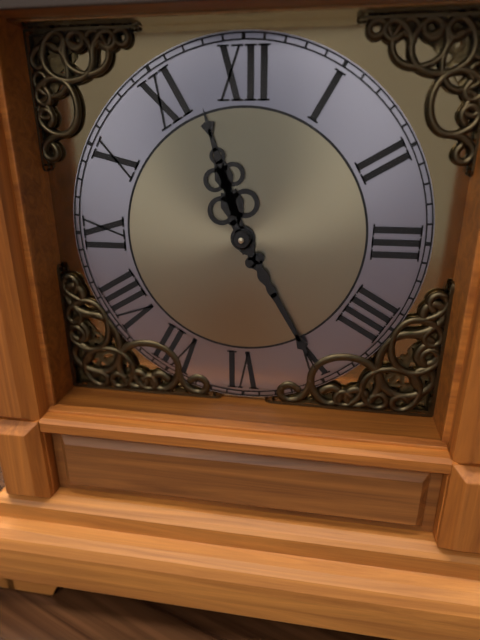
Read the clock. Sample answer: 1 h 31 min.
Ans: 11 h 25 min
